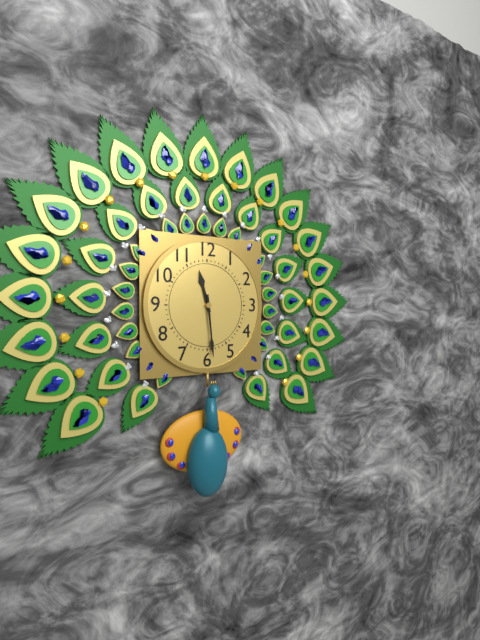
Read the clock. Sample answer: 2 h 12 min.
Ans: 11 h 29 min
